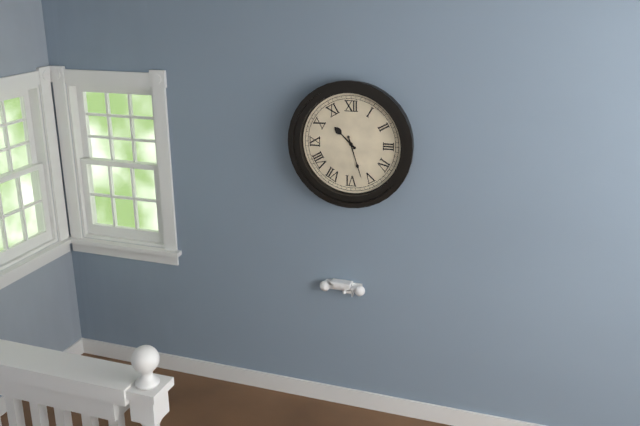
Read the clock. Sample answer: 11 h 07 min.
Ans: 10 h 27 min
